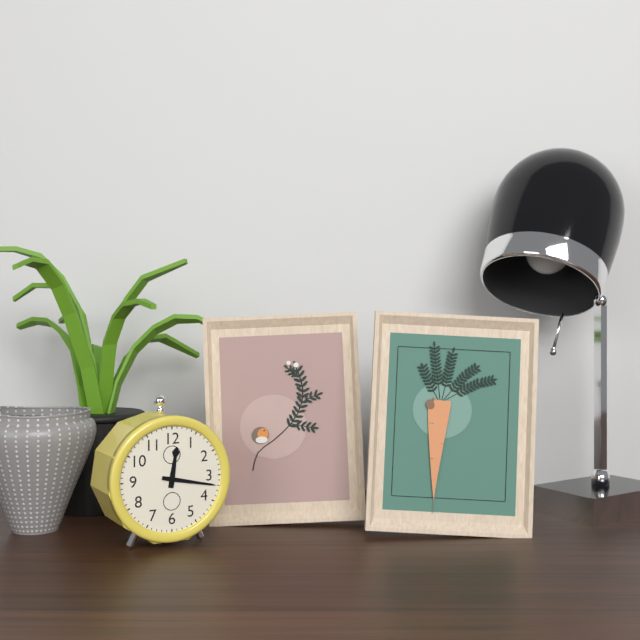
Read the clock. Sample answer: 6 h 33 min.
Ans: 12 h 17 min
